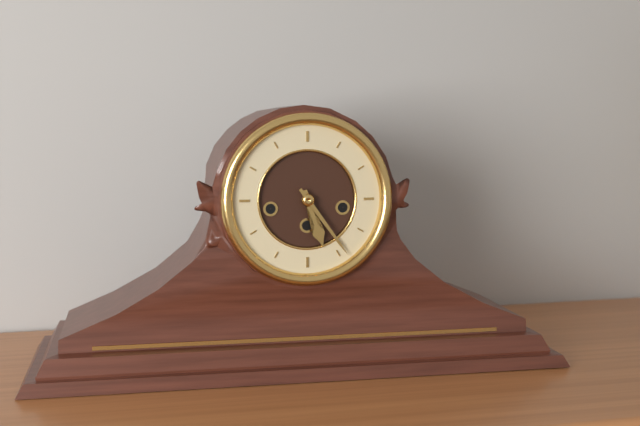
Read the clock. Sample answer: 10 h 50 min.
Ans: 5 h 24 min
